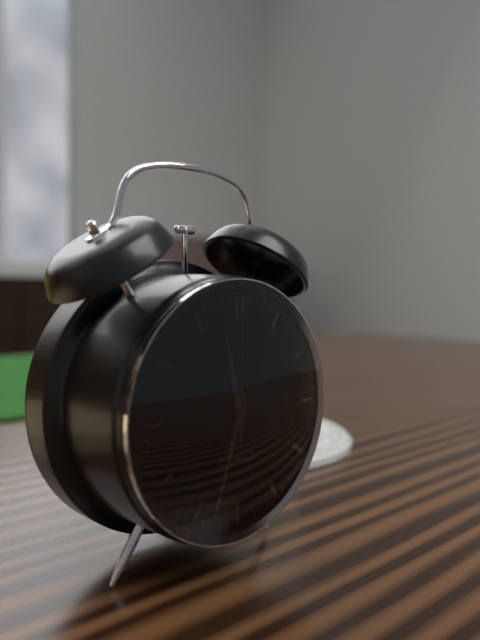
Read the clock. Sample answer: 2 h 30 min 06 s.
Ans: 11 h 33 min 00 s
